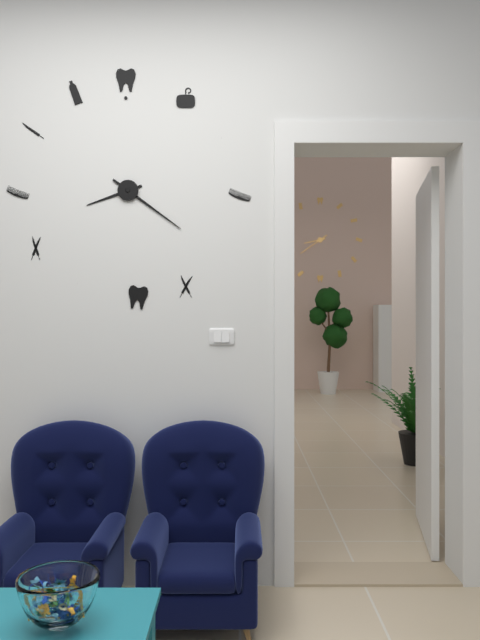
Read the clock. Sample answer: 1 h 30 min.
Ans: 8 h 21 min
